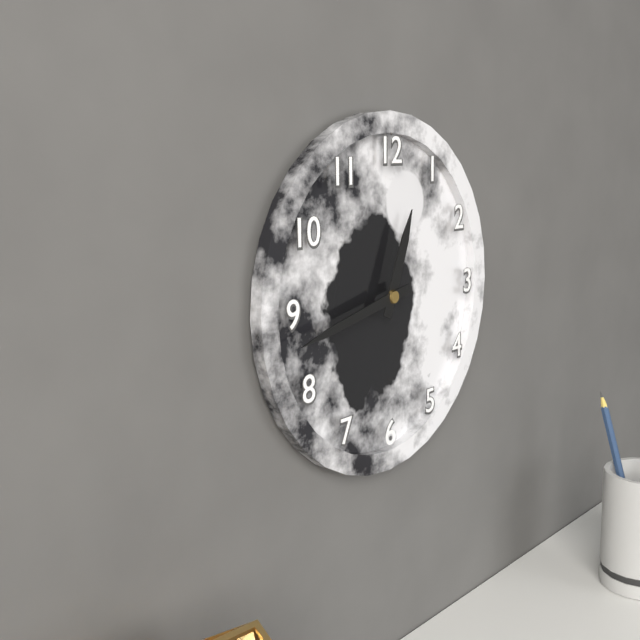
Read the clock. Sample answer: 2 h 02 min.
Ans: 12 h 43 min
